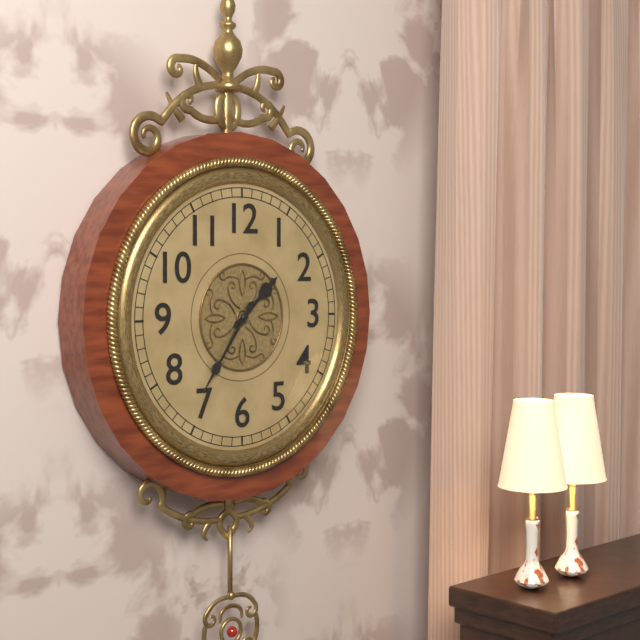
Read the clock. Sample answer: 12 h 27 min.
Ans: 1 h 36 min
